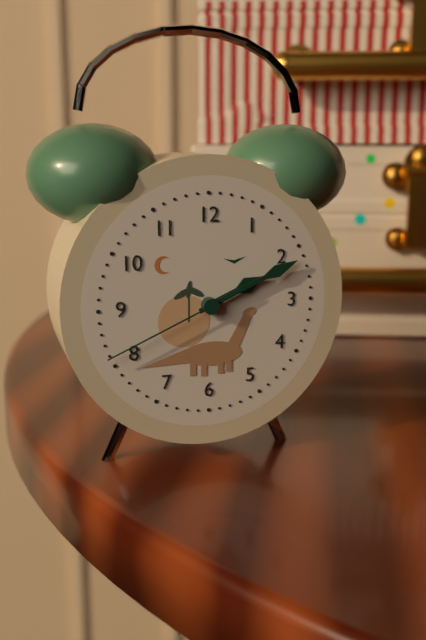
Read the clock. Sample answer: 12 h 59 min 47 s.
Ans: 2 h 11 min 41 s
